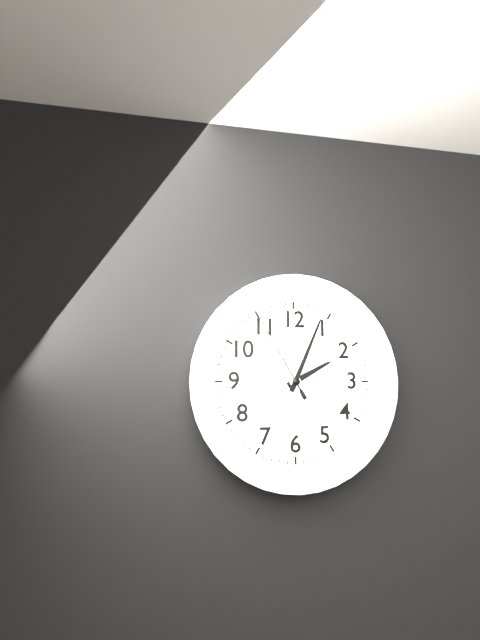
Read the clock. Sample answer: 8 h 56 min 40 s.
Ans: 2 h 04 min 55 s
